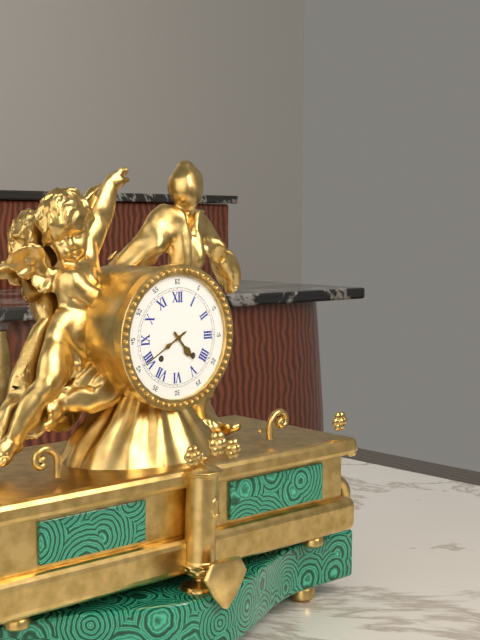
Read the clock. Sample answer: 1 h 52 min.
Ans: 4 h 40 min
